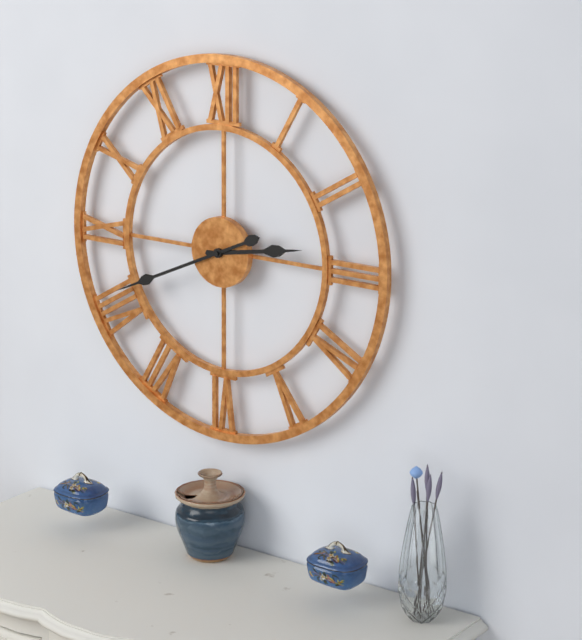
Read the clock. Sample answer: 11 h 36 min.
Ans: 2 h 41 min
